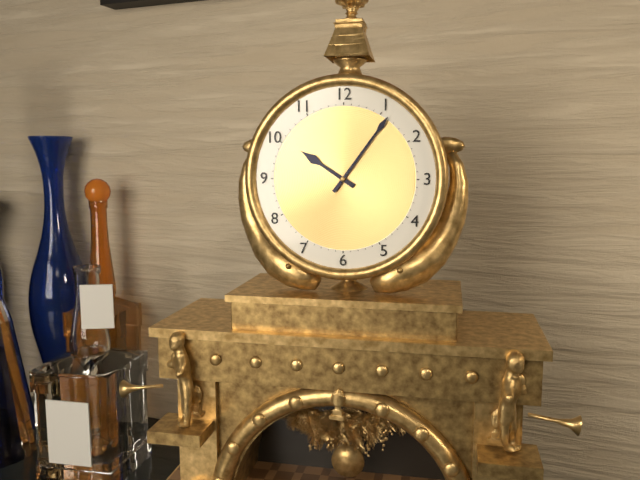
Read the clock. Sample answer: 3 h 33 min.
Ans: 10 h 06 min
